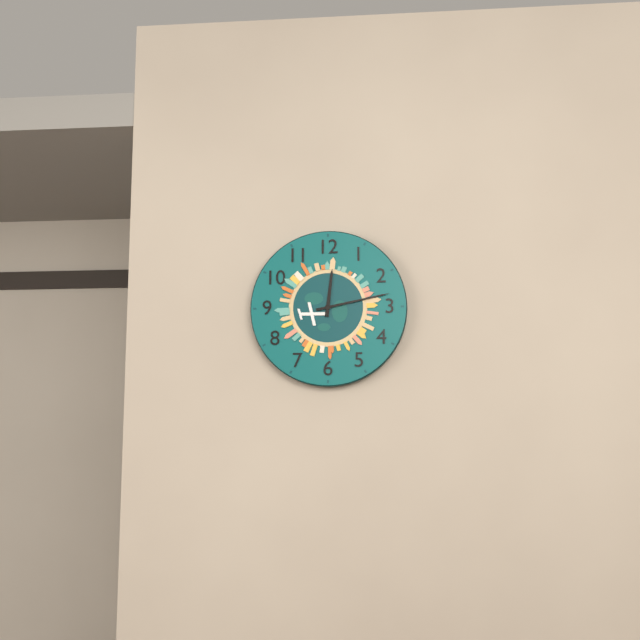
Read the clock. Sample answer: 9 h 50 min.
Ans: 12 h 13 min
